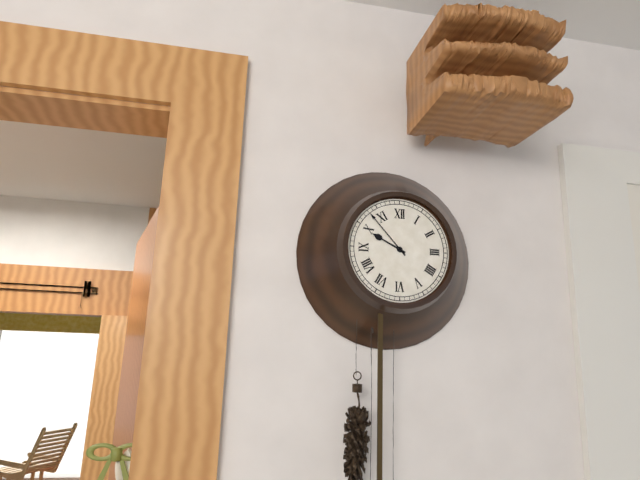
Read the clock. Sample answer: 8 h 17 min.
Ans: 9 h 53 min
